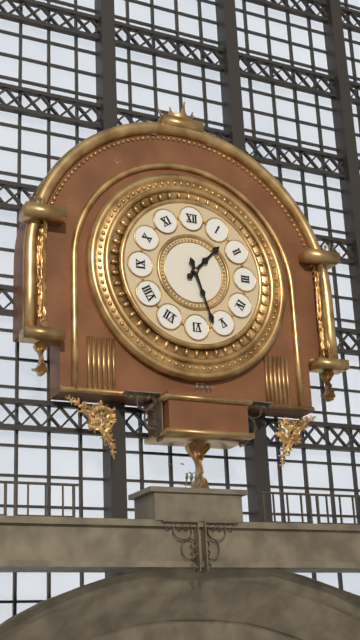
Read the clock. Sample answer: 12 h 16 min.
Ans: 1 h 27 min
